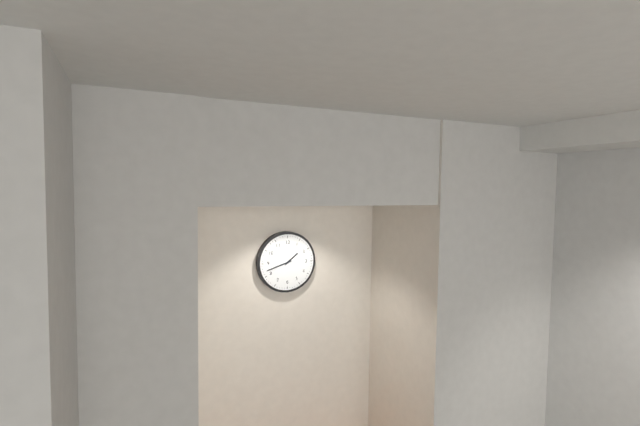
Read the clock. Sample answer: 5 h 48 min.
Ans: 1 h 42 min
